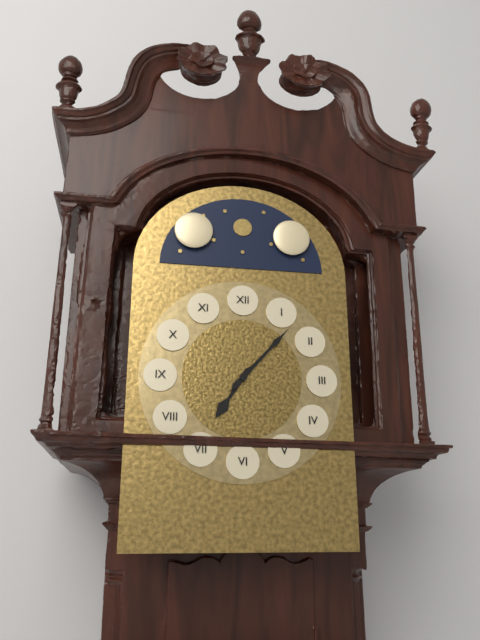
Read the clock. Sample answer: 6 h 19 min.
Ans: 7 h 07 min
